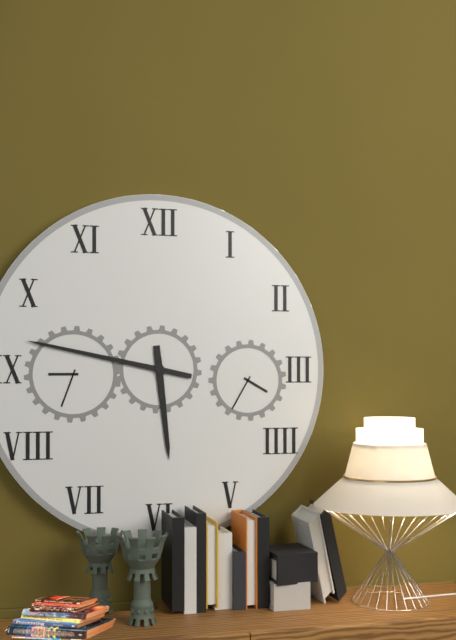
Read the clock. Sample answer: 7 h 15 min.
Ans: 5 h 47 min
